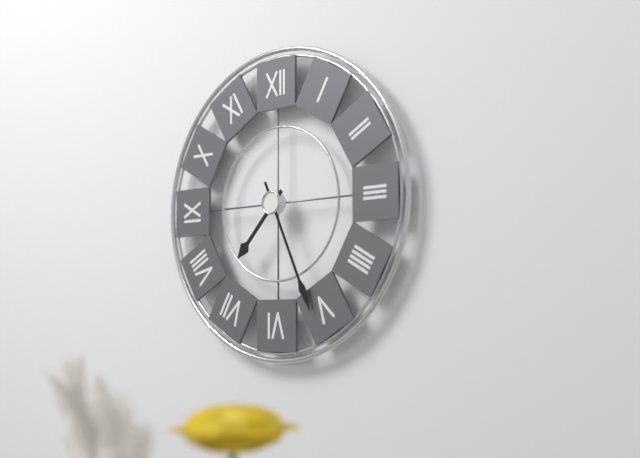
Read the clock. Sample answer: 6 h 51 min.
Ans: 7 h 26 min
